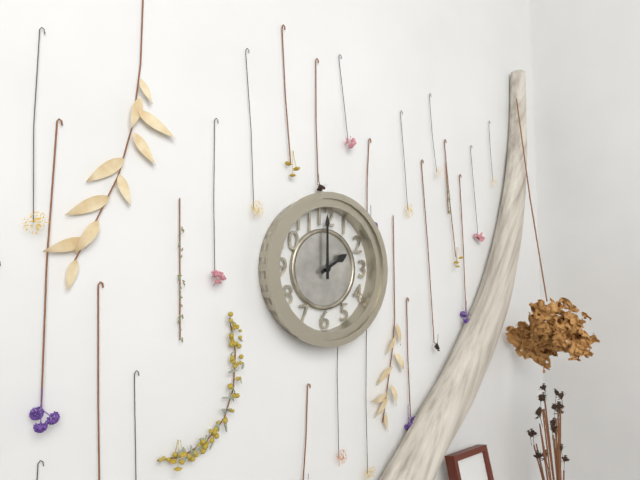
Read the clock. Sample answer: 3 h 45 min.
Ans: 2 h 00 min
